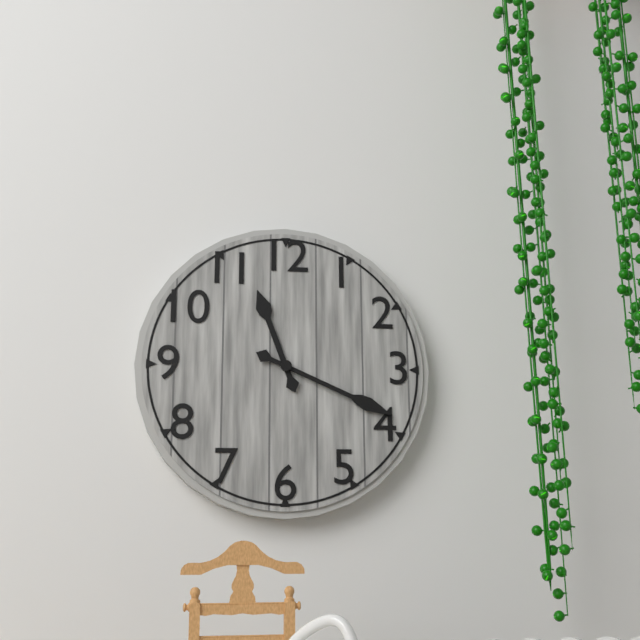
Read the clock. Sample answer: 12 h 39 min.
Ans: 11 h 19 min
